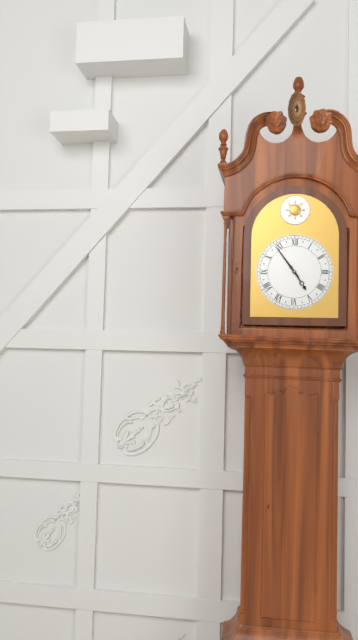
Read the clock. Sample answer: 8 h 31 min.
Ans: 4 h 54 min
